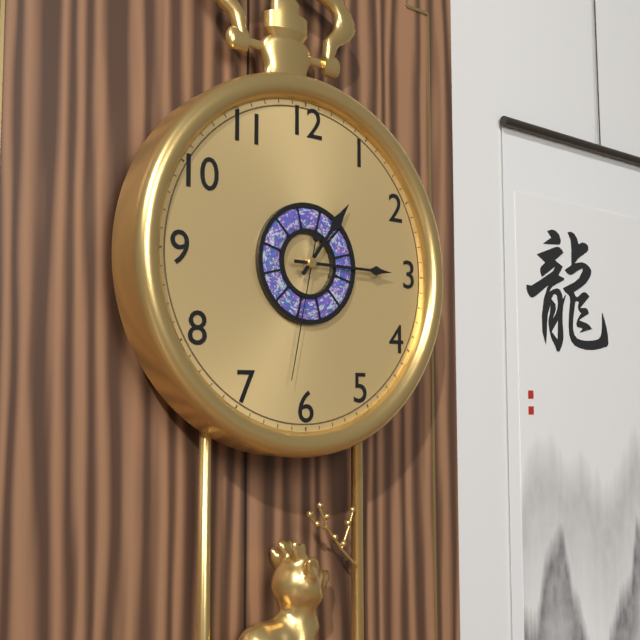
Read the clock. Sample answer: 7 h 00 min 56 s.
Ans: 1 h 15 min 32 s
